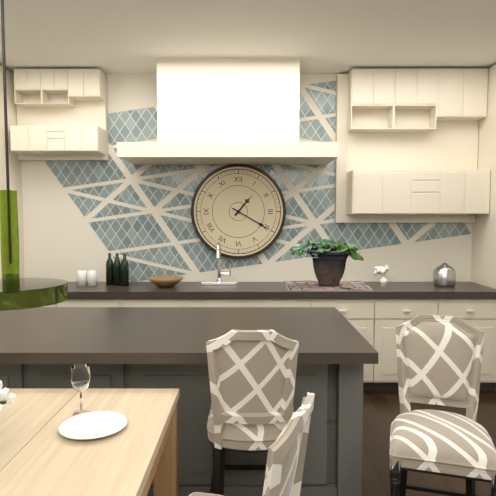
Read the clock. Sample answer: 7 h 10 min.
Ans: 1 h 20 min
